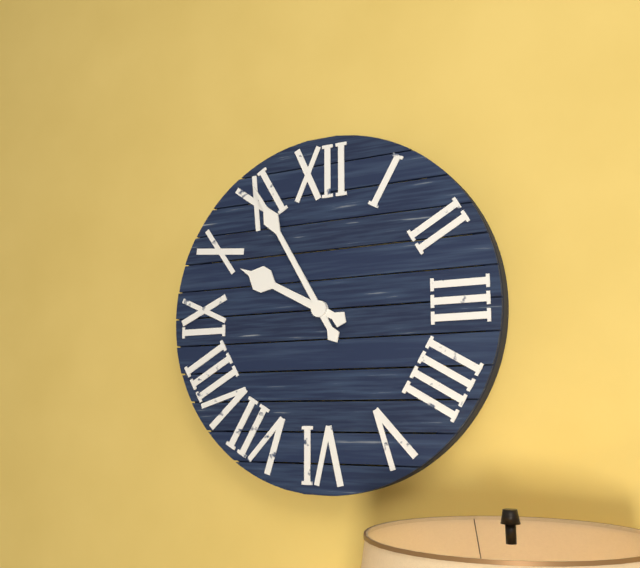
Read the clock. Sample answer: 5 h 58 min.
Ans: 9 h 55 min
